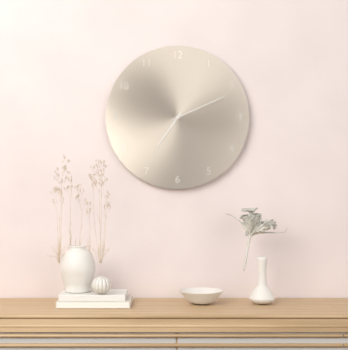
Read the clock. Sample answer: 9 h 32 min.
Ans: 7 h 11 min
